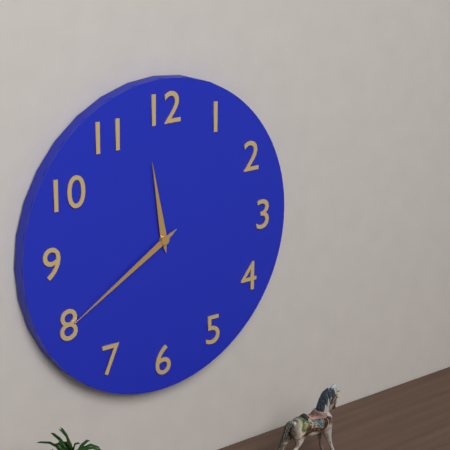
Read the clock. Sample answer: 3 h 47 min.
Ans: 11 h 40 min
